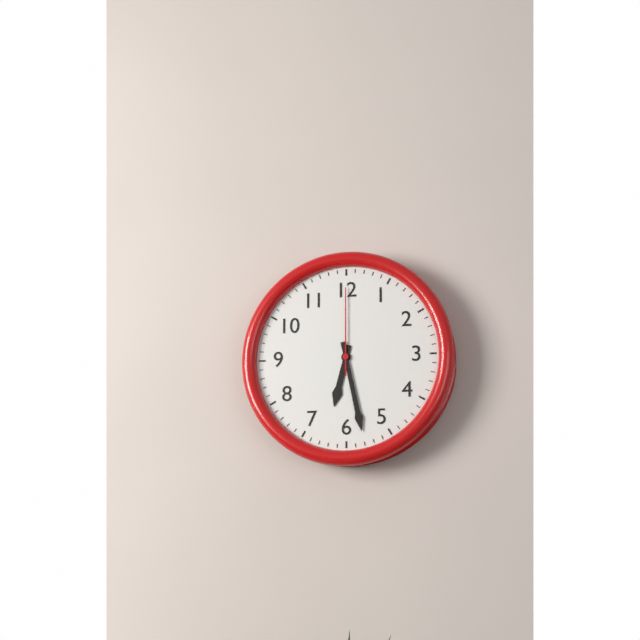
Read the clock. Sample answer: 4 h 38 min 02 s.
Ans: 6 h 28 min 00 s
